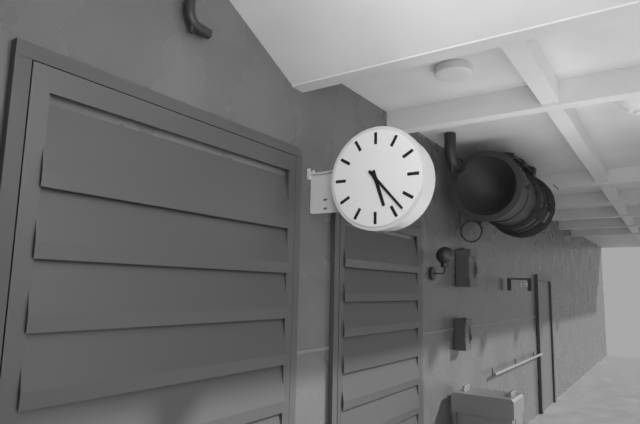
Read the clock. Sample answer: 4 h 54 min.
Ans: 5 h 23 min
